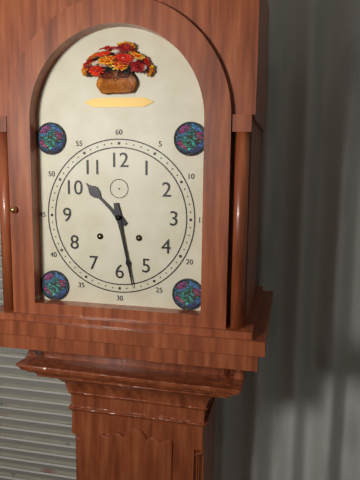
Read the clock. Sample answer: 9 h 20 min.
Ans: 10 h 28 min
